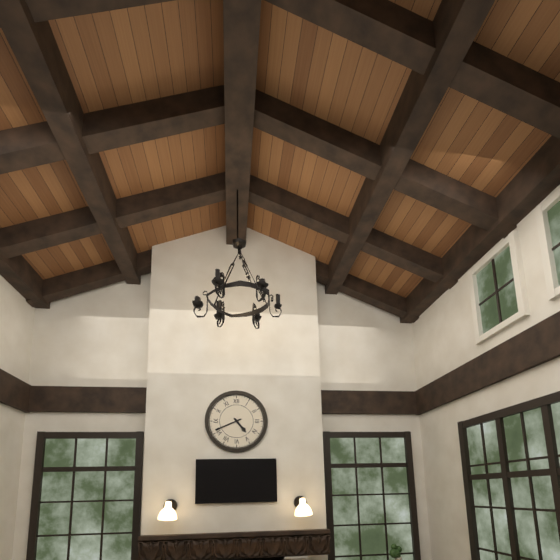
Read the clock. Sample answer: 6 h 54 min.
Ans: 4 h 41 min
